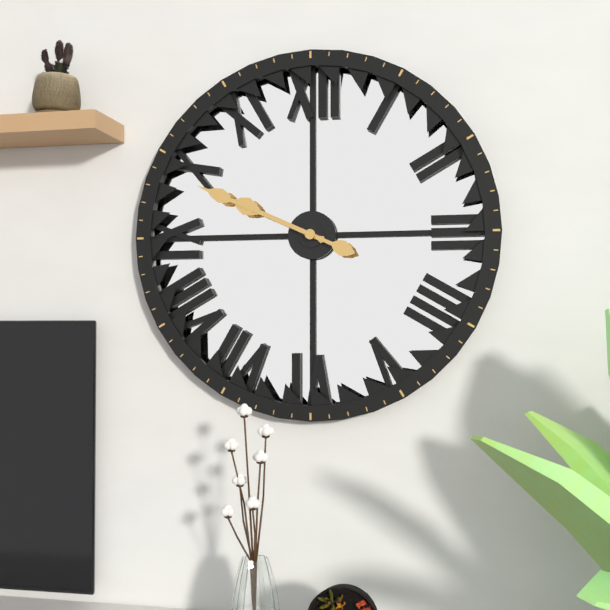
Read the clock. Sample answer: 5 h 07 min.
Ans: 9 h 49 min
